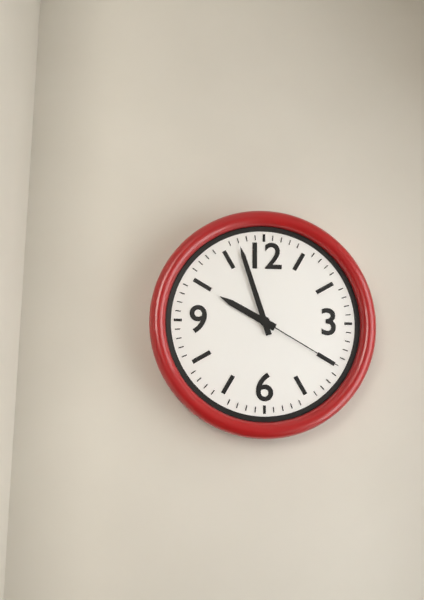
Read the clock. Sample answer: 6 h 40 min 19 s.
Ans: 9 h 57 min 20 s
